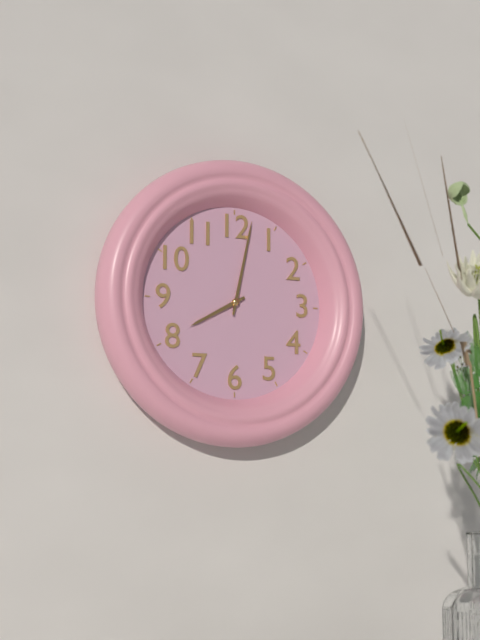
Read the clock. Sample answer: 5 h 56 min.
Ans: 8 h 02 min
